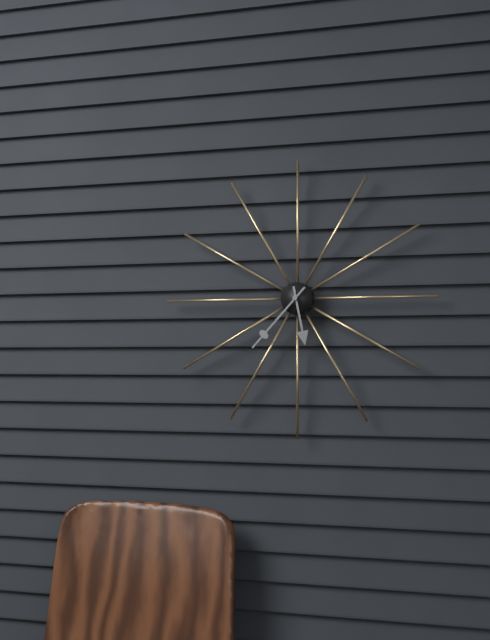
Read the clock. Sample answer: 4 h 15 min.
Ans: 5 h 37 min
